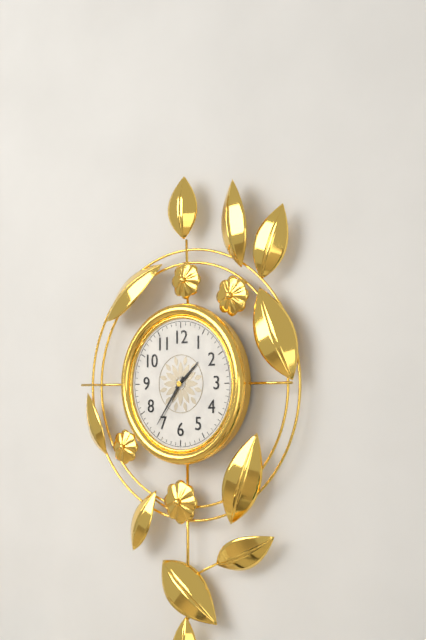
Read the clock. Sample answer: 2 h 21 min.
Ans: 1 h 36 min
